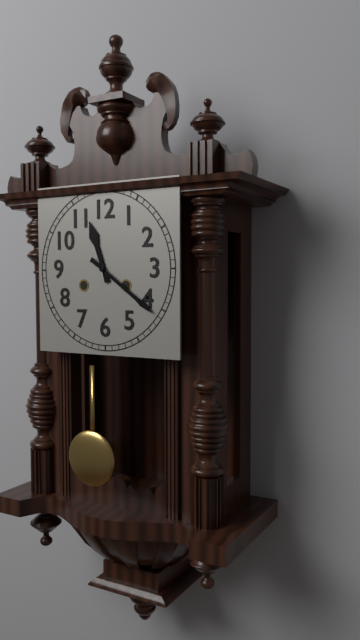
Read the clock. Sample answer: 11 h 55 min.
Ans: 11 h 21 min
